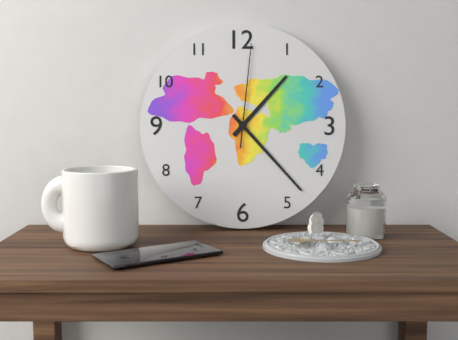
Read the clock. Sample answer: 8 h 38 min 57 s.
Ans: 1 h 23 min 01 s
